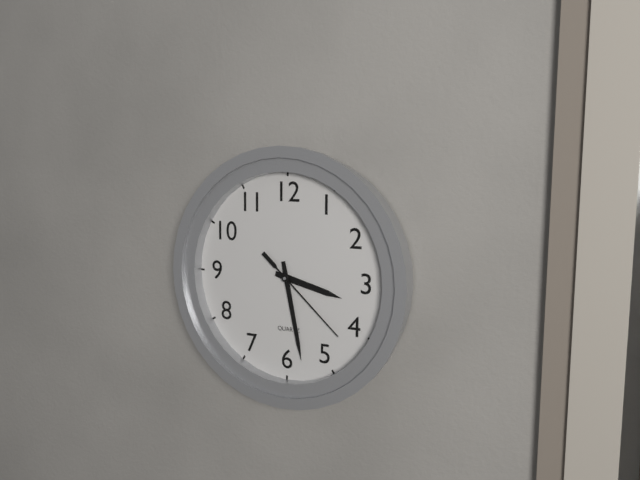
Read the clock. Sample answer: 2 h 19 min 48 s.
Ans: 3 h 28 min 22 s
